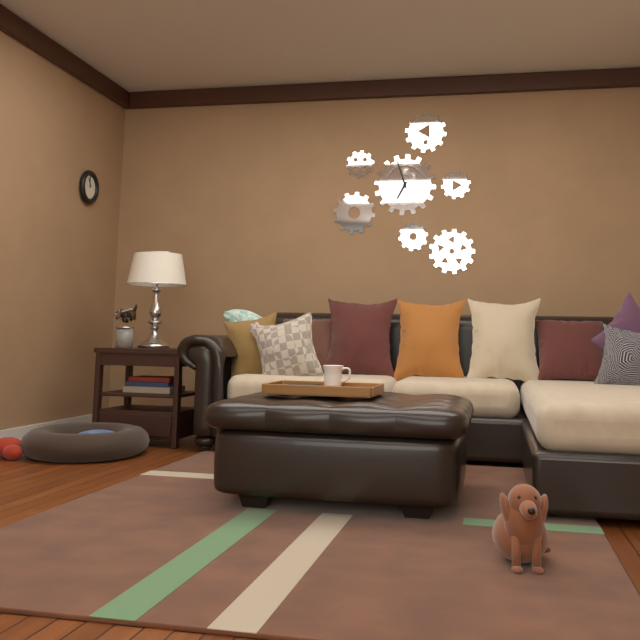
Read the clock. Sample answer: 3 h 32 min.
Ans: 6 h 57 min
